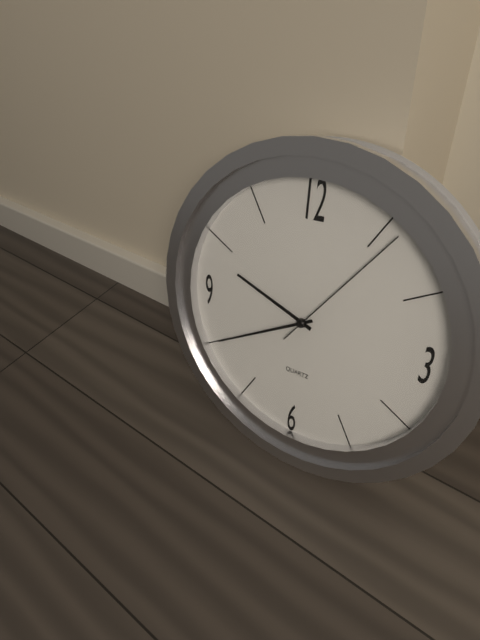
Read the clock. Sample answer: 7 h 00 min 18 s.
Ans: 9 h 40 min 06 s
